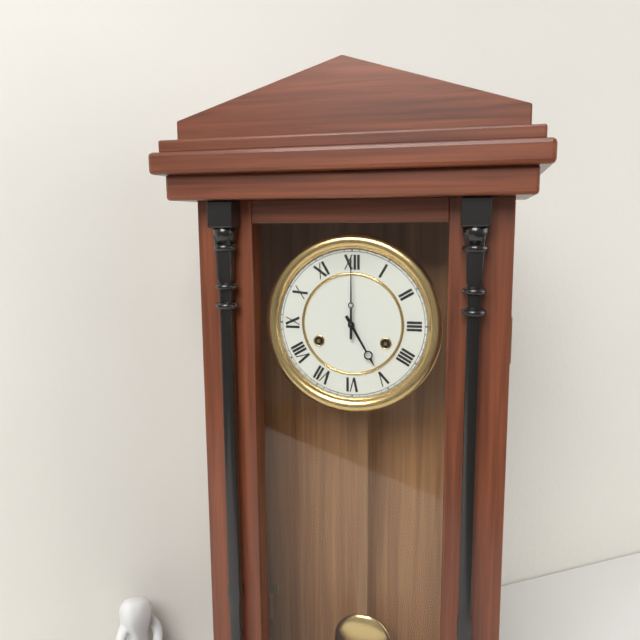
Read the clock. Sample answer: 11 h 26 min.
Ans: 5 h 00 min
